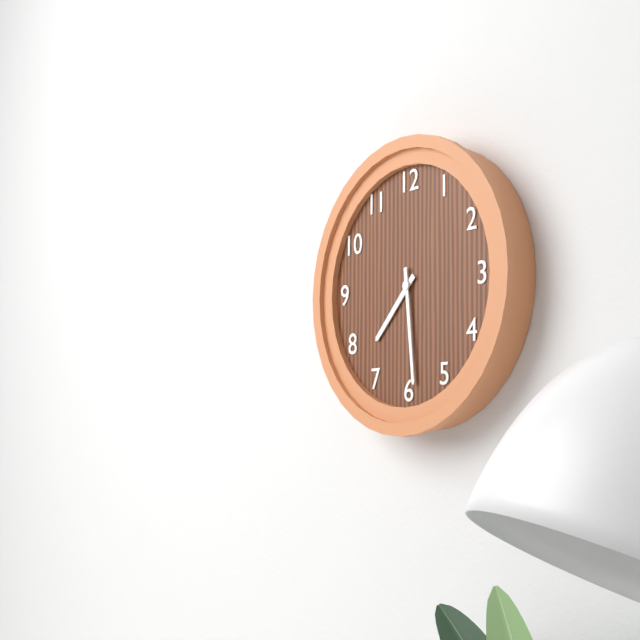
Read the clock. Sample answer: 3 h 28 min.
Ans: 7 h 29 min
